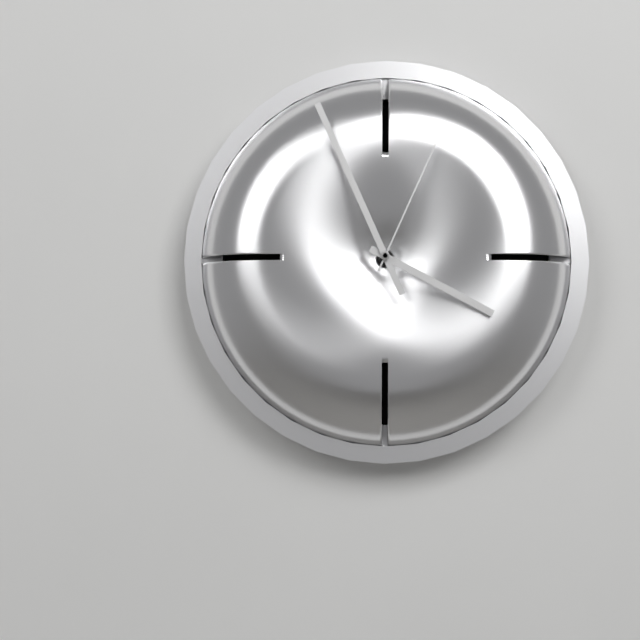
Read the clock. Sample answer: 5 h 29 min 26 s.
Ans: 3 h 56 min 04 s
